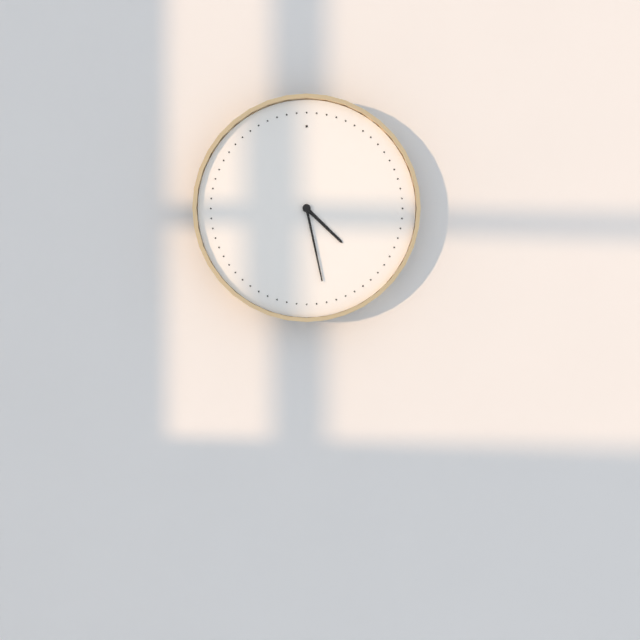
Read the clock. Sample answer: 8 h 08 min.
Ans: 4 h 28 min
